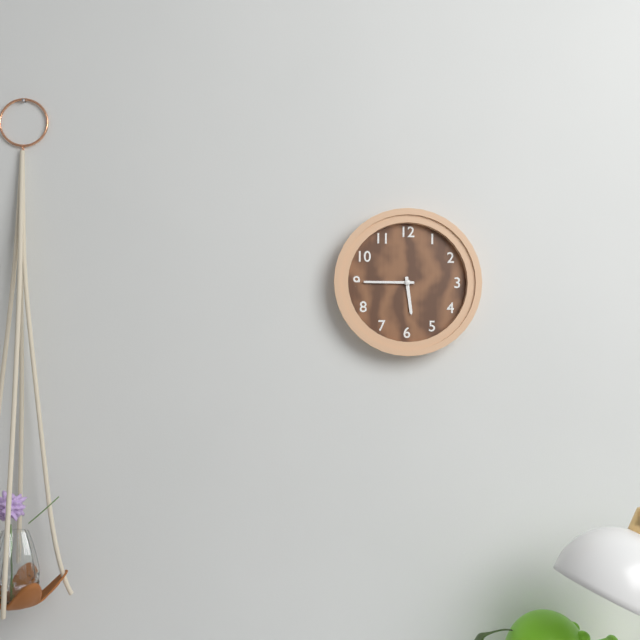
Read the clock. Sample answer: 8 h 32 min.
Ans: 5 h 45 min
